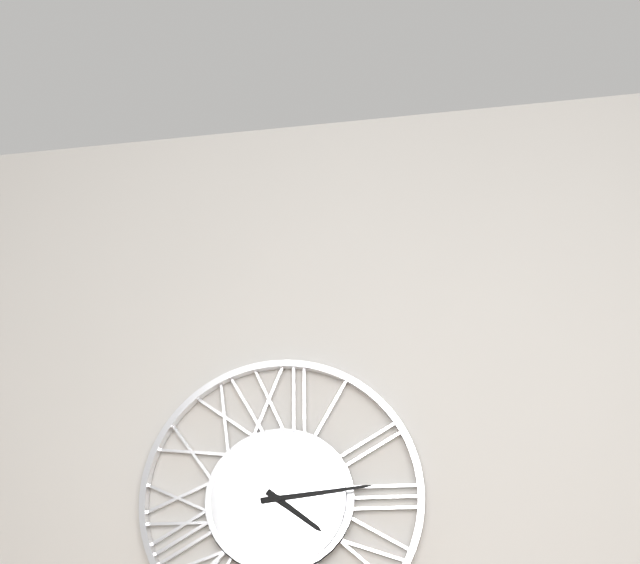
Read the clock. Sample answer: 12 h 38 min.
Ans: 4 h 14 min
